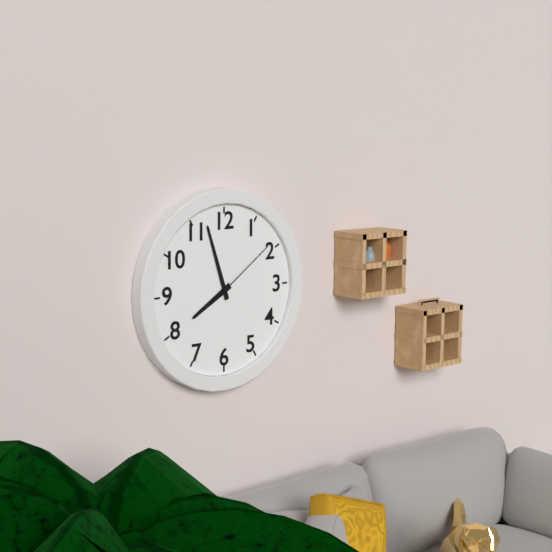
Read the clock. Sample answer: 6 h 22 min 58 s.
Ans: 7 h 57 min 09 s
